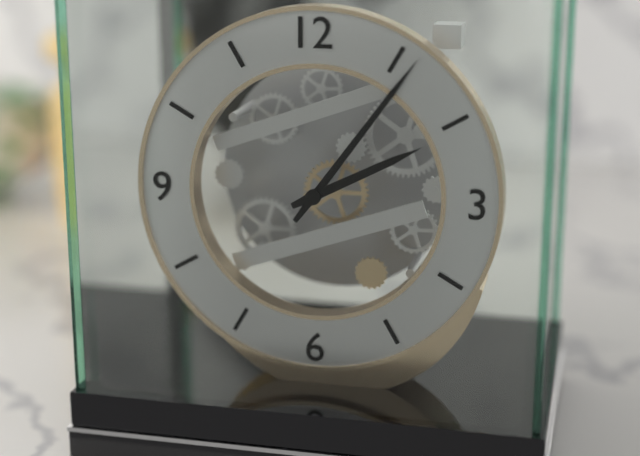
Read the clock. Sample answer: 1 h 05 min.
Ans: 2 h 06 min
